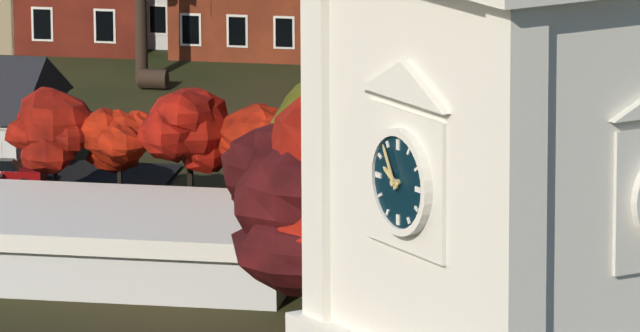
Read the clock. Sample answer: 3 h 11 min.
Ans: 9 h 55 min
